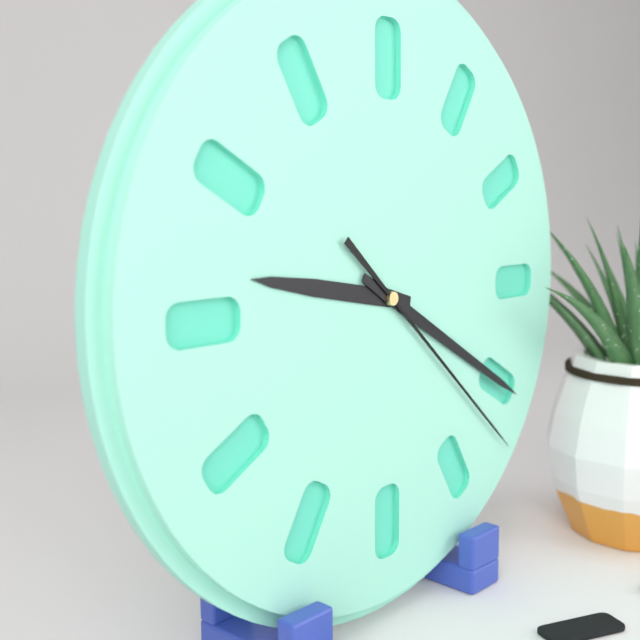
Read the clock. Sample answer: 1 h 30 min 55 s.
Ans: 9 h 20 min 22 s
